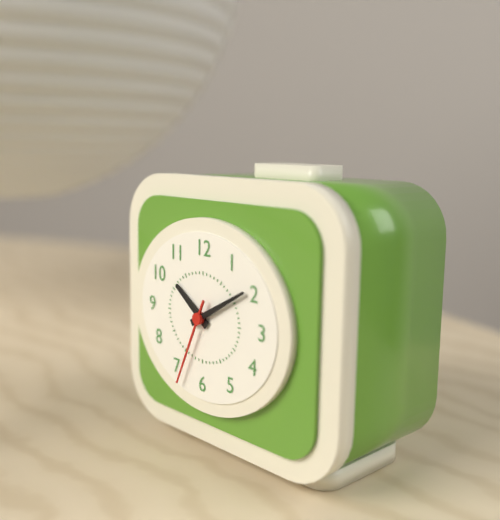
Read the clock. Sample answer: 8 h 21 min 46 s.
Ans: 10 h 10 min 34 s
